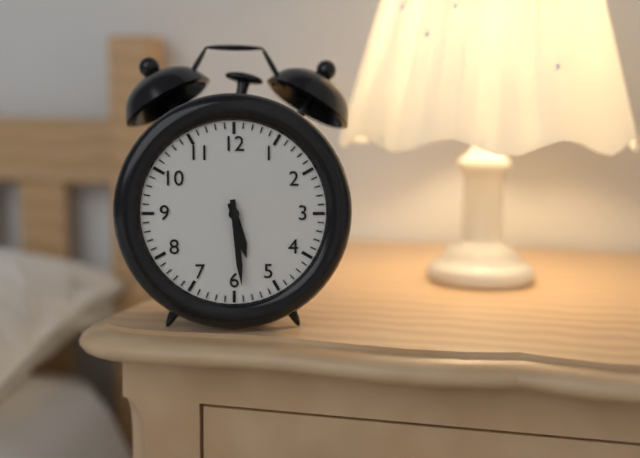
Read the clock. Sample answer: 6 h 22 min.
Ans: 5 h 29 min
